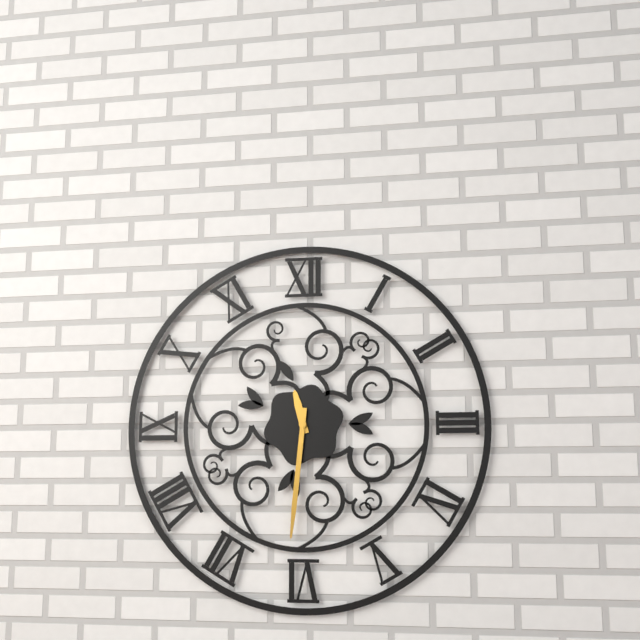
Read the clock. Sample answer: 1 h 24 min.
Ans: 11 h 31 min
